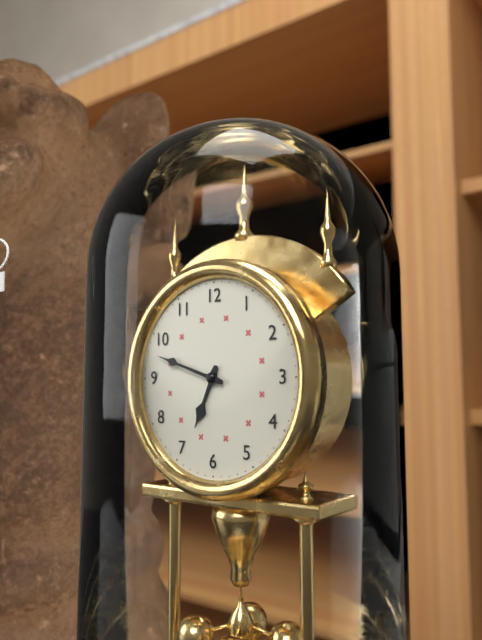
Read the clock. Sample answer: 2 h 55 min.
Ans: 6 h 48 min
